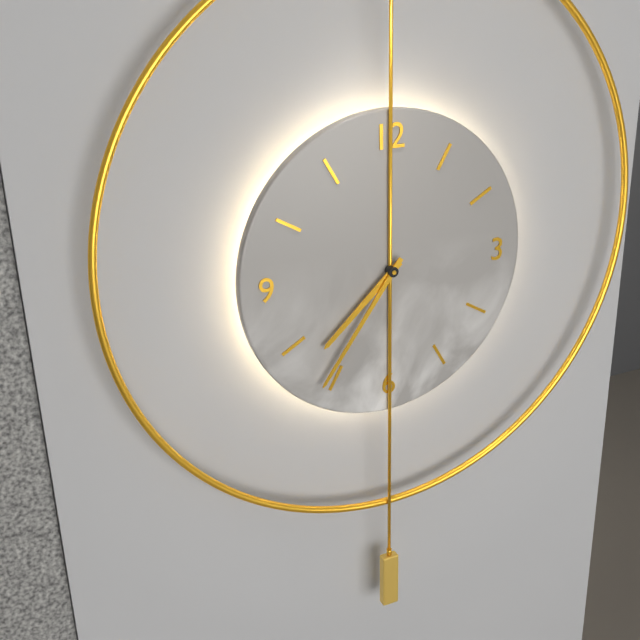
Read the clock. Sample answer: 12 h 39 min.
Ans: 7 h 36 min
